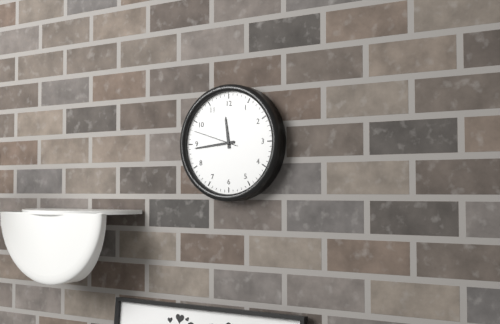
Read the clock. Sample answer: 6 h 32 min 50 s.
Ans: 11 h 44 min 48 s
